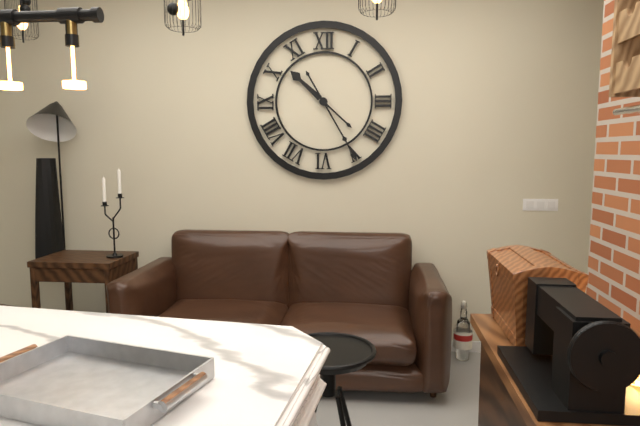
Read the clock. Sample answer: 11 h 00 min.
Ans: 10 h 25 min
